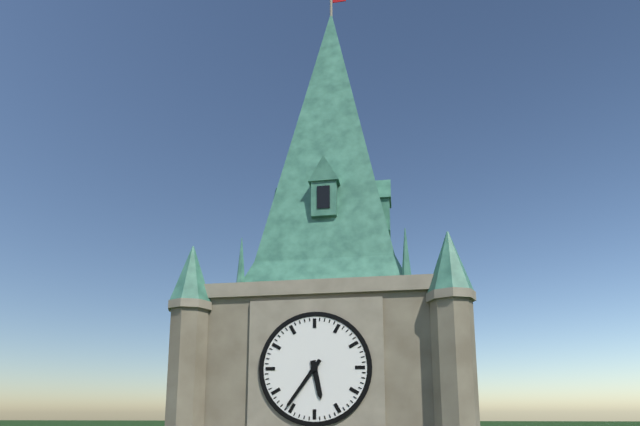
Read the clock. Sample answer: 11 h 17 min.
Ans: 5 h 36 min
